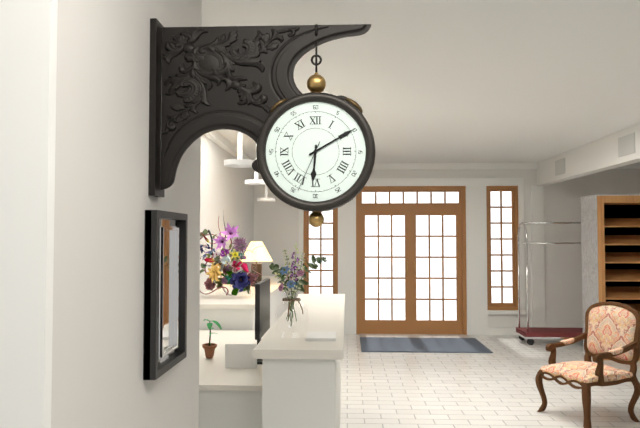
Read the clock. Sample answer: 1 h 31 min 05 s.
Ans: 6 h 10 min 34 s
